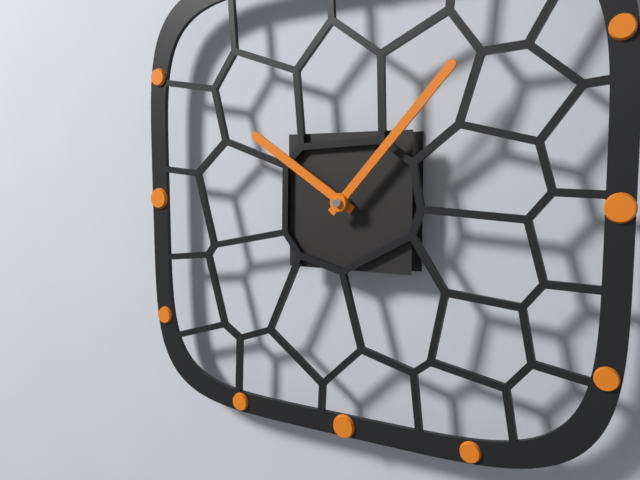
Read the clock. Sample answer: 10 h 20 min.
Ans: 10 h 07 min
